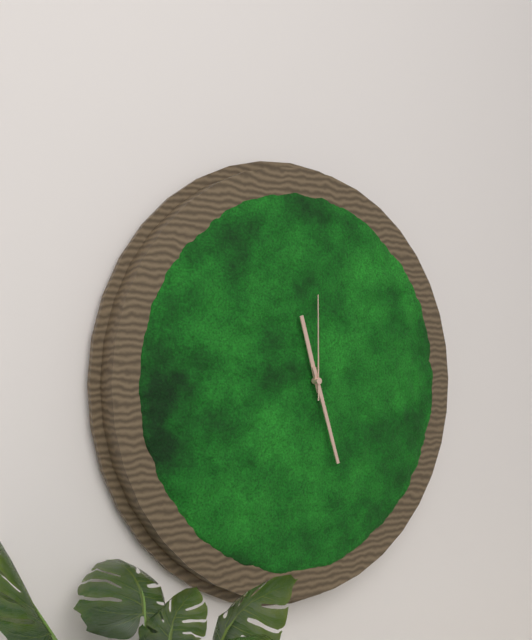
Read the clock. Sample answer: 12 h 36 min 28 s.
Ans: 11 h 27 min 00 s
